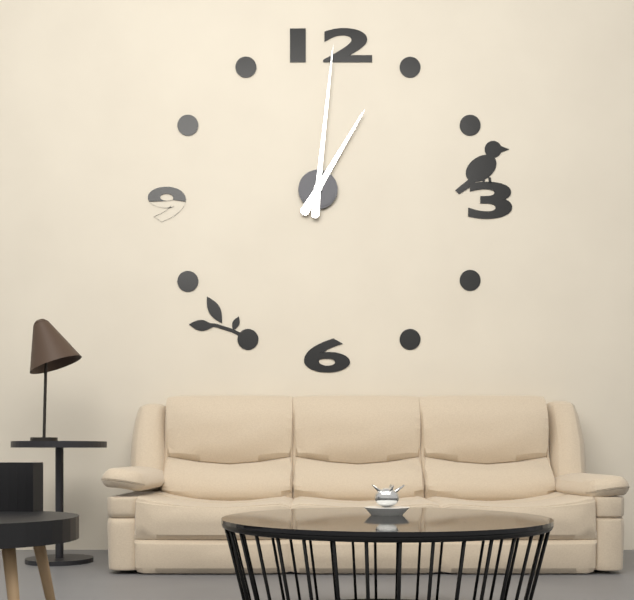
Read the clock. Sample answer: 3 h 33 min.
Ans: 1 h 01 min
